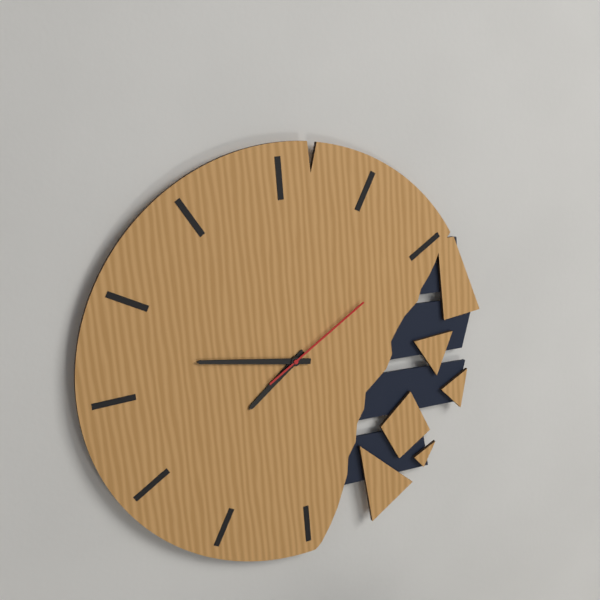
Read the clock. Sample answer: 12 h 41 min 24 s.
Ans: 7 h 47 min 10 s
